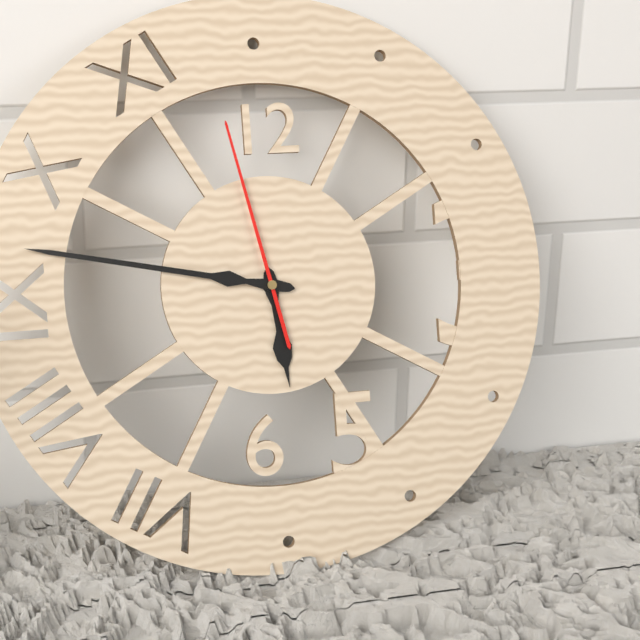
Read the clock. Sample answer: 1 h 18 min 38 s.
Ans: 5 h 47 min 58 s
